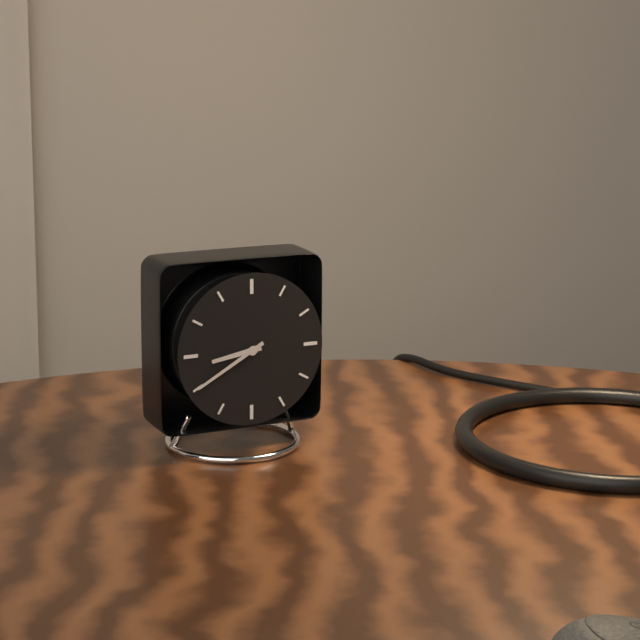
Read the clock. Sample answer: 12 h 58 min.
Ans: 8 h 40 min
